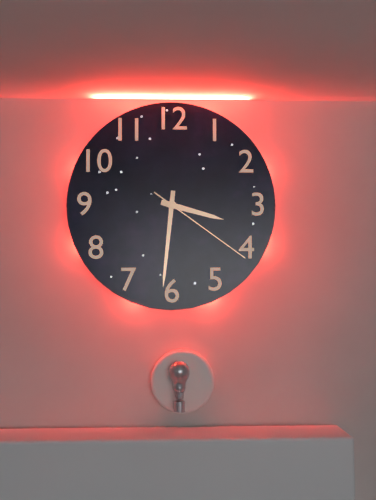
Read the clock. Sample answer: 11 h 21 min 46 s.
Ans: 3 h 31 min 21 s
